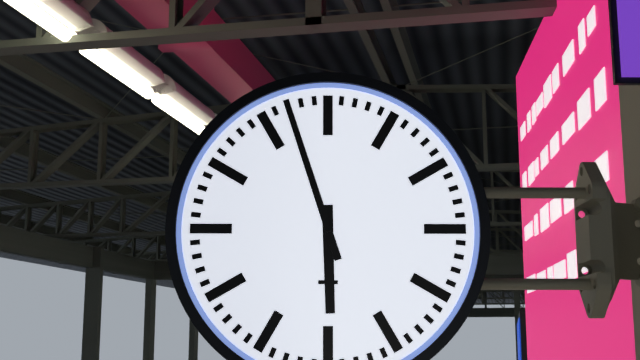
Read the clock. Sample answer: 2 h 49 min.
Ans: 5 h 57 min
